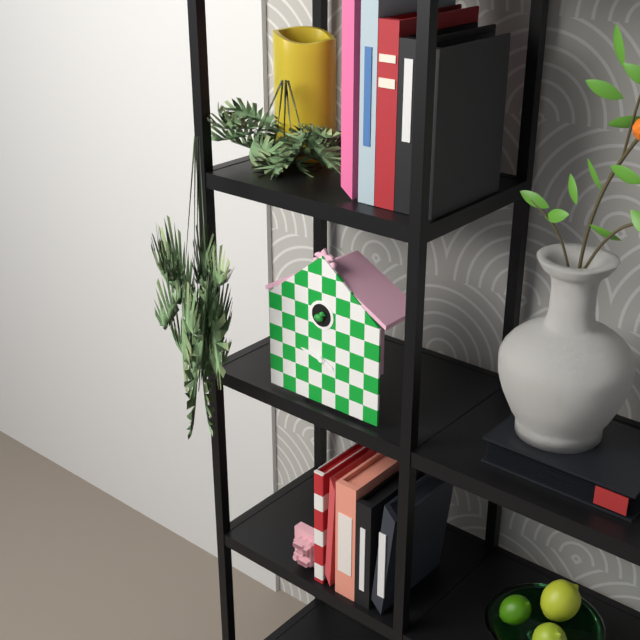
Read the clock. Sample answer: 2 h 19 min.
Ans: 3 h 47 min
